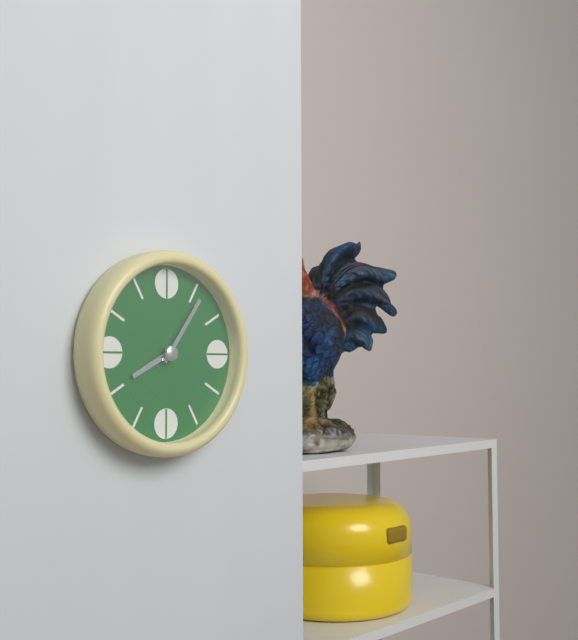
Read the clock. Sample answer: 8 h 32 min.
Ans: 8 h 06 min
